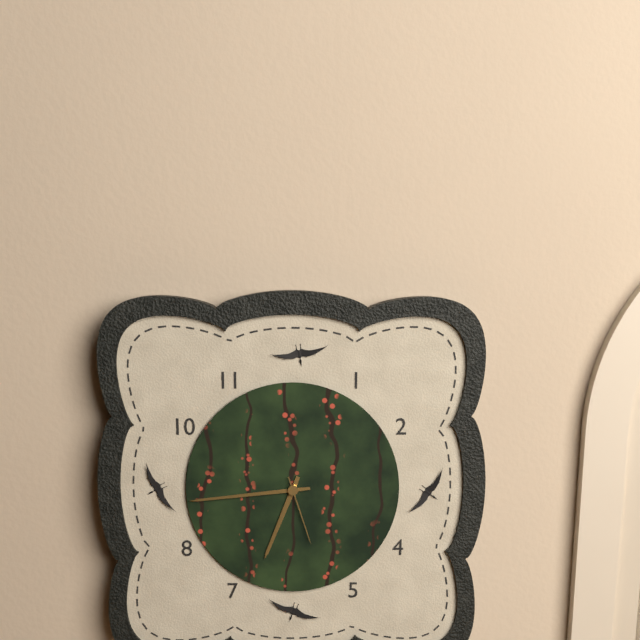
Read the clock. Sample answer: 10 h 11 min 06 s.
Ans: 6 h 44 min 27 s
